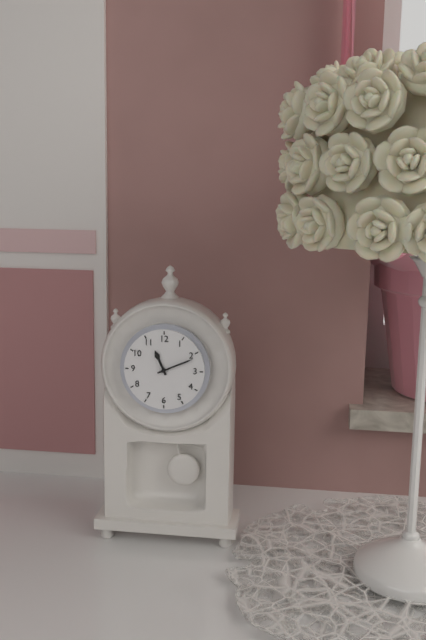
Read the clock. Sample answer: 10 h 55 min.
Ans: 11 h 11 min
